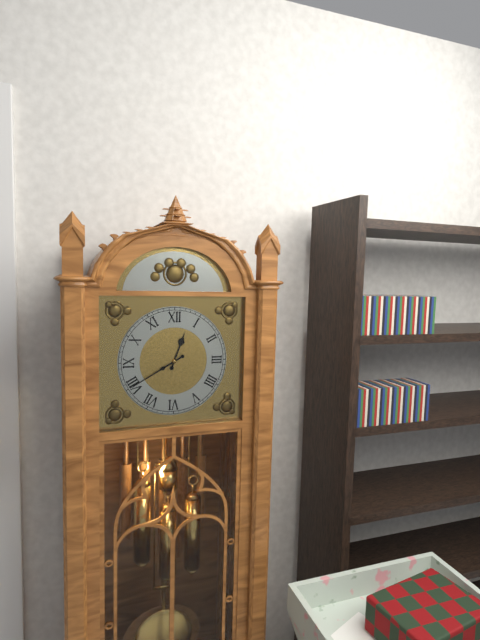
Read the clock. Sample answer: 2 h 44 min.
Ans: 12 h 40 min
